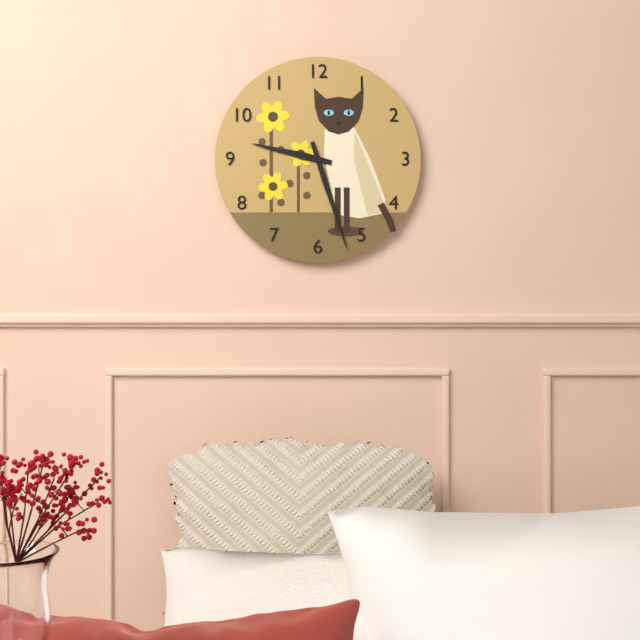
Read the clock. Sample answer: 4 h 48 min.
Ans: 9 h 27 min
